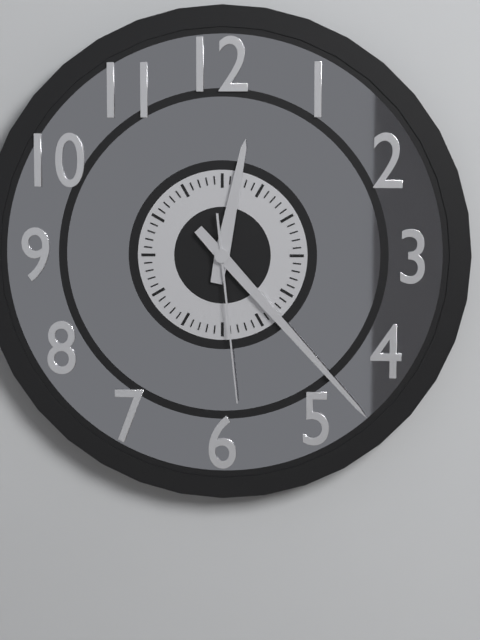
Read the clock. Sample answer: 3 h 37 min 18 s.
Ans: 12 h 23 min 29 s
